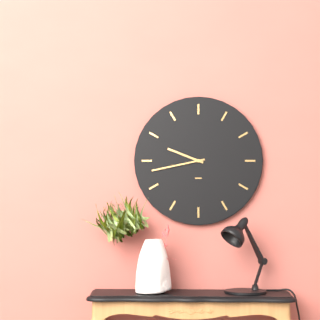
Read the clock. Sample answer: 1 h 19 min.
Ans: 9 h 43 min
